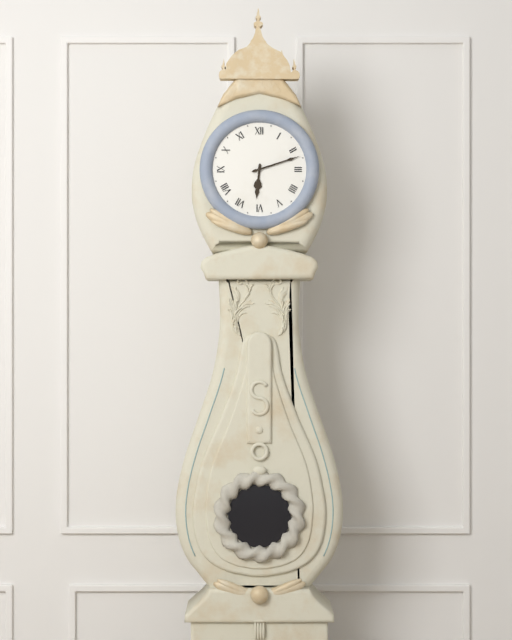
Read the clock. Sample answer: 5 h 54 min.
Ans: 6 h 12 min
